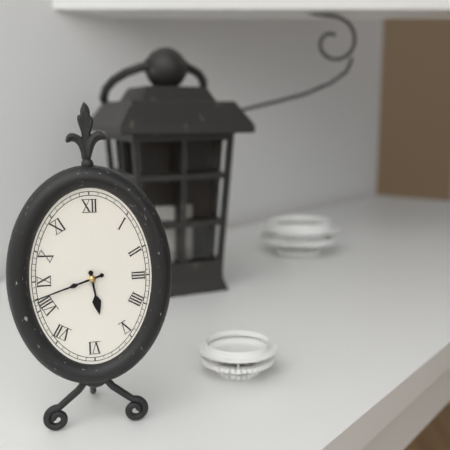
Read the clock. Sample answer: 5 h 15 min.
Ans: 5 h 42 min
